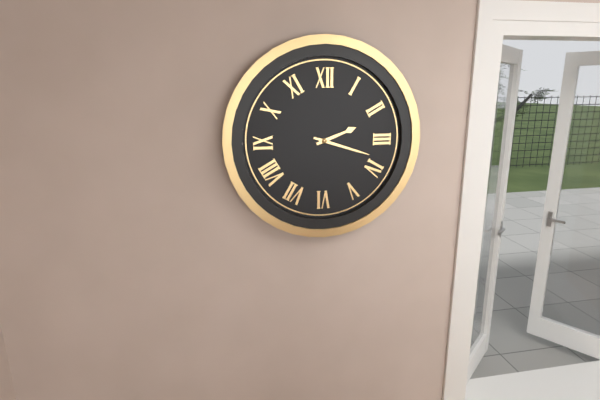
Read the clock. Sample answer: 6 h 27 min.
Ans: 2 h 18 min
